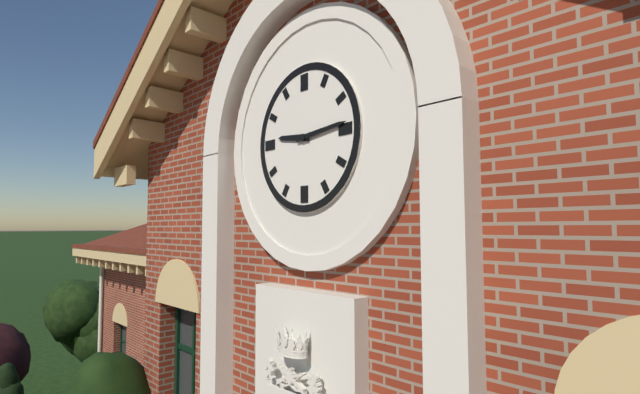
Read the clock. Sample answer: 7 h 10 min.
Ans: 9 h 14 min
